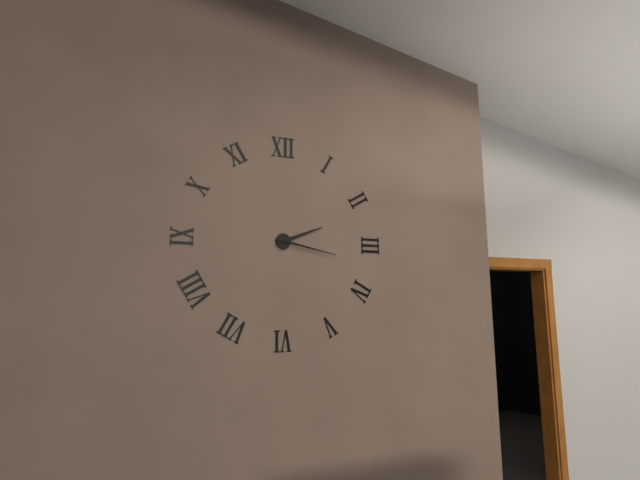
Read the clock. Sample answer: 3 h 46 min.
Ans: 2 h 17 min
